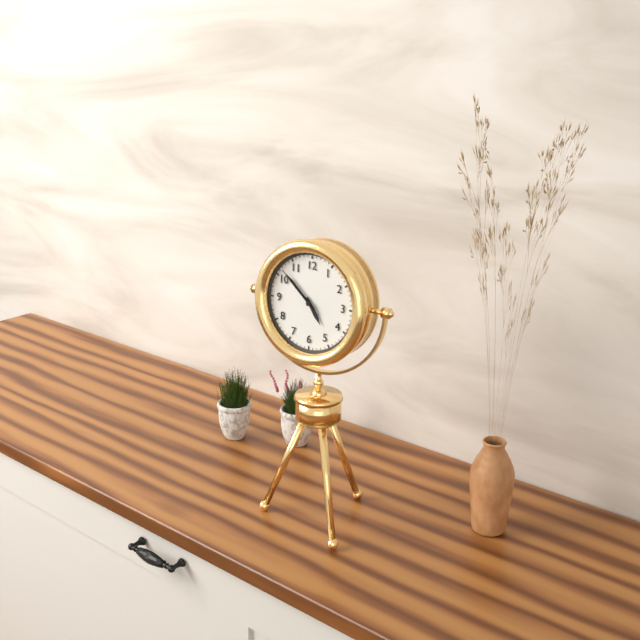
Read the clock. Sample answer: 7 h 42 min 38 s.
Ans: 4 h 52 min 52 s
